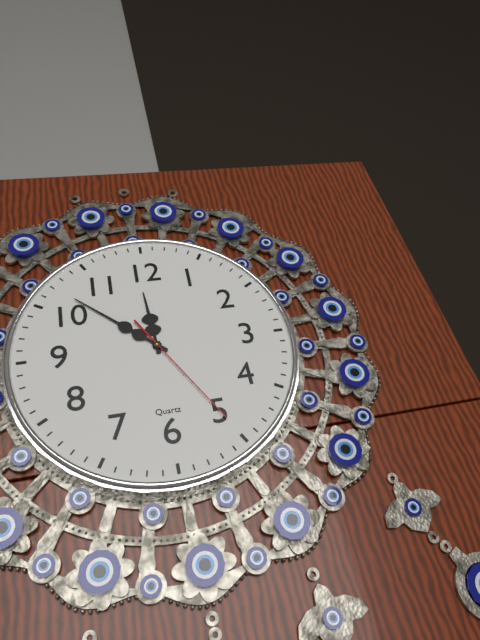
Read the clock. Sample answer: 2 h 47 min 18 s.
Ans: 11 h 52 min 25 s
